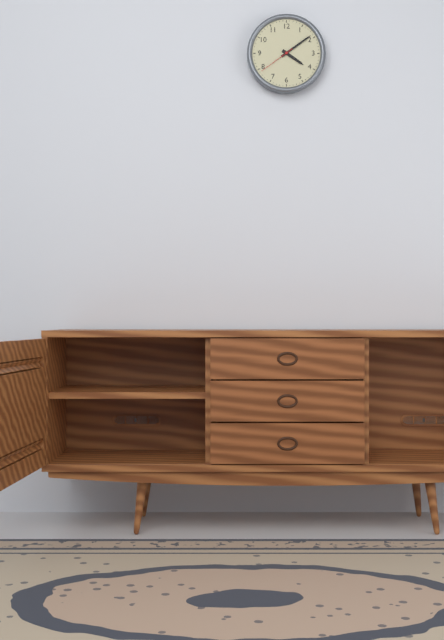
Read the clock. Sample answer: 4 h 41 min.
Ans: 4 h 09 min
